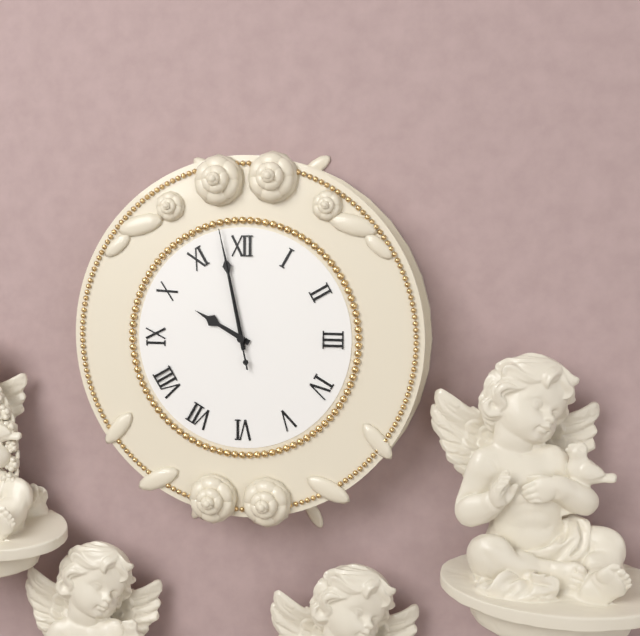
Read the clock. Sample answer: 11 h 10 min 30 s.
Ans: 9 h 58 min 58 s
